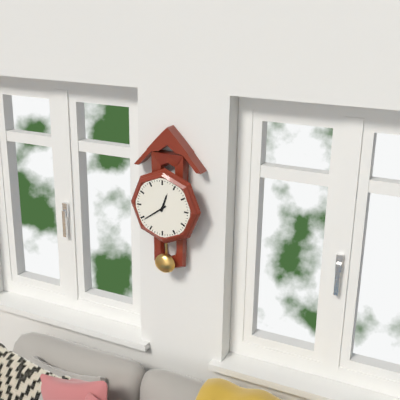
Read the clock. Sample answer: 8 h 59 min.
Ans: 12 h 39 min
